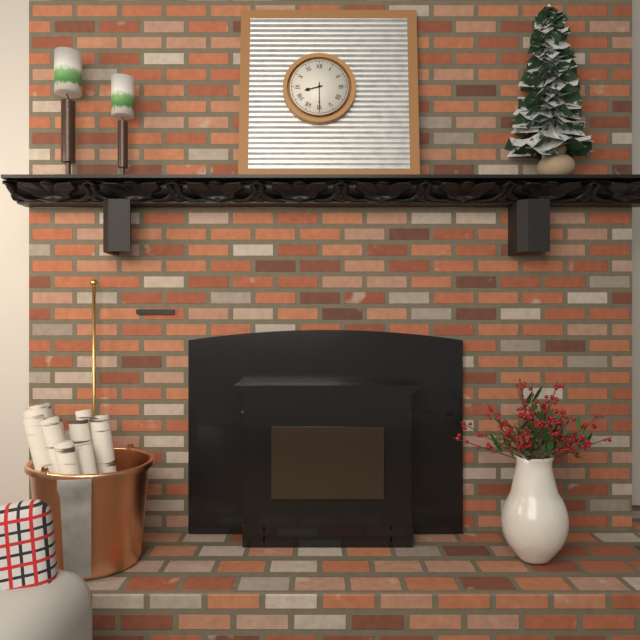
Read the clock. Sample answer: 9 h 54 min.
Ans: 8 h 30 min
